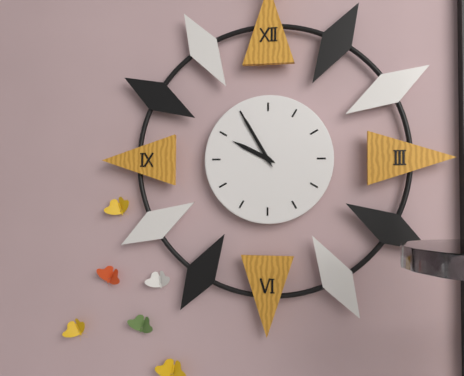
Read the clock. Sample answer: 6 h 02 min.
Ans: 9 h 55 min
